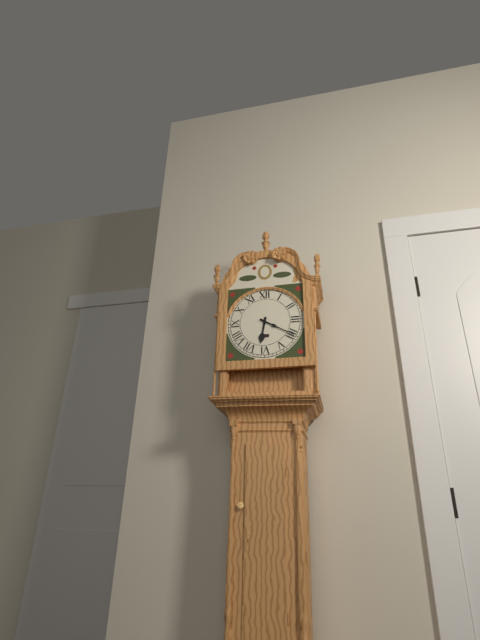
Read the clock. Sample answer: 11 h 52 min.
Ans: 6 h 20 min
